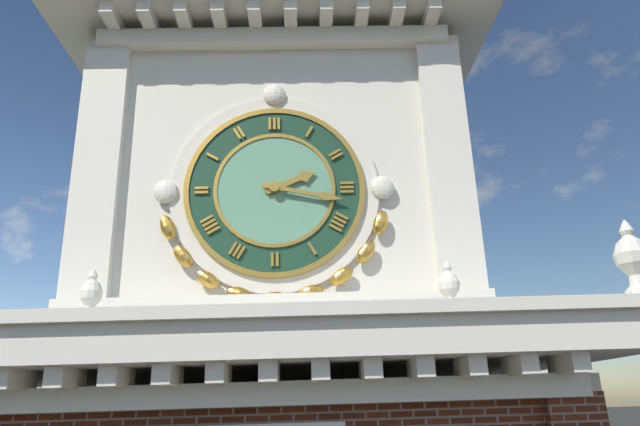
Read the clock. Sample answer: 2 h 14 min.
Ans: 2 h 17 min
